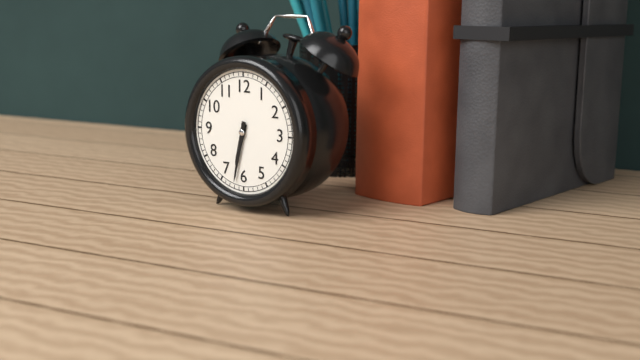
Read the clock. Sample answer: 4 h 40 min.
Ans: 6 h 32 min
